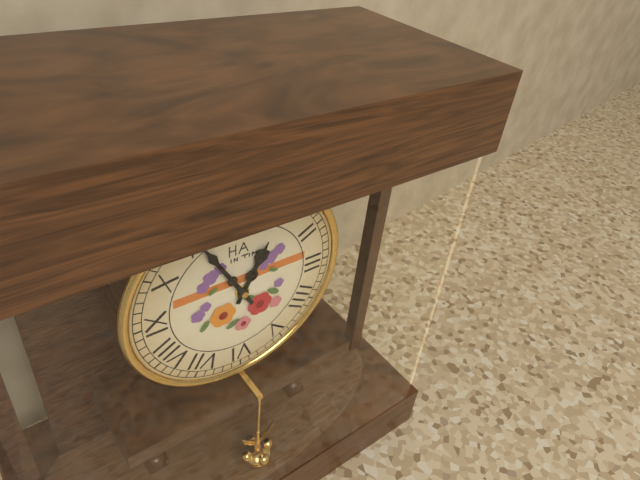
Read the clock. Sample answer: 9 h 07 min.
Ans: 12 h 55 min
